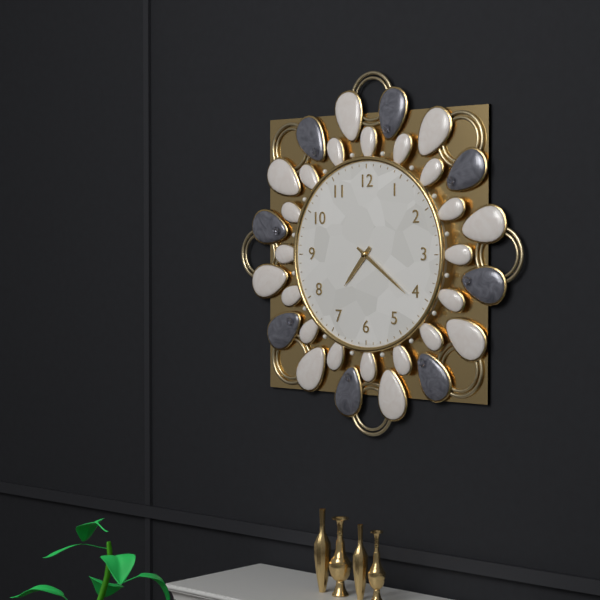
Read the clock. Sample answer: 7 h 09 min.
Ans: 7 h 21 min
